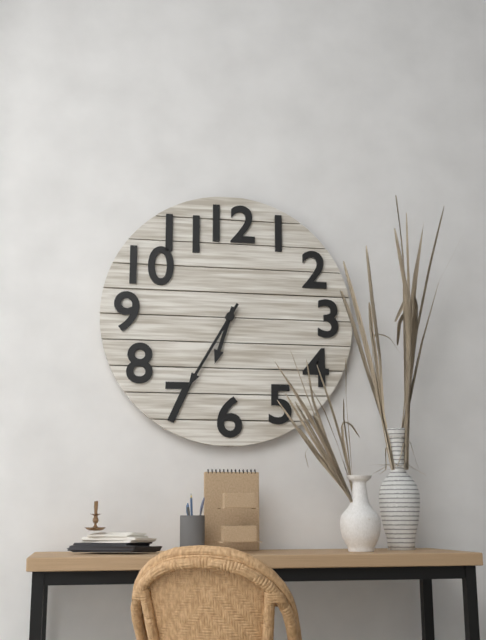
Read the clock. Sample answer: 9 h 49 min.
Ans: 6 h 35 min
